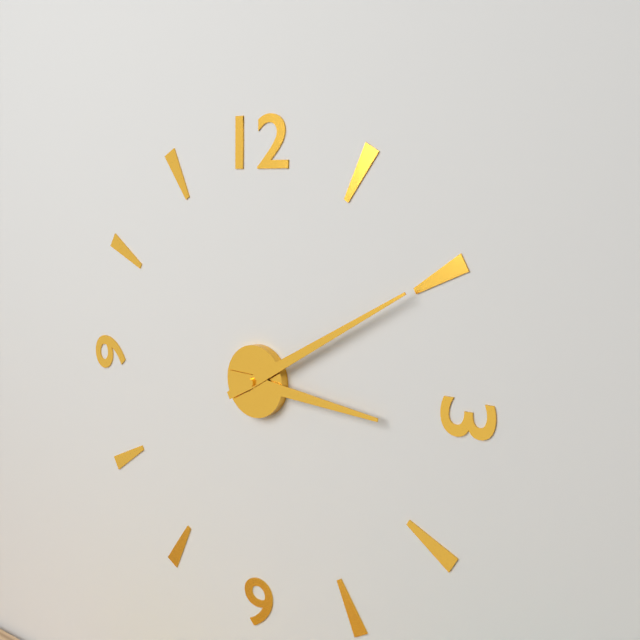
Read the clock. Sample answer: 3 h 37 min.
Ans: 3 h 10 min
